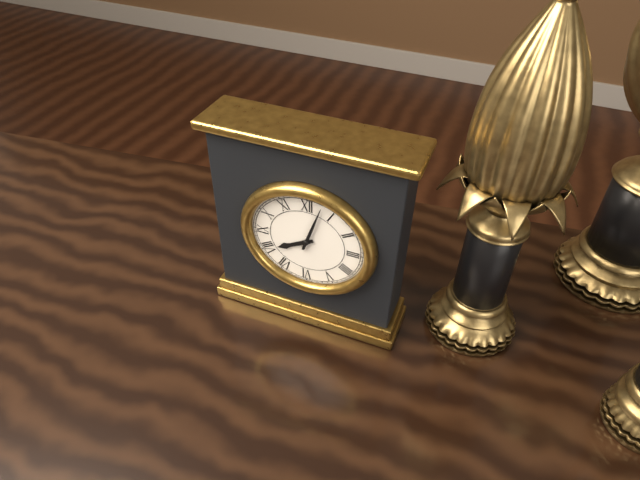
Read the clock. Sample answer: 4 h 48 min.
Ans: 8 h 03 min
